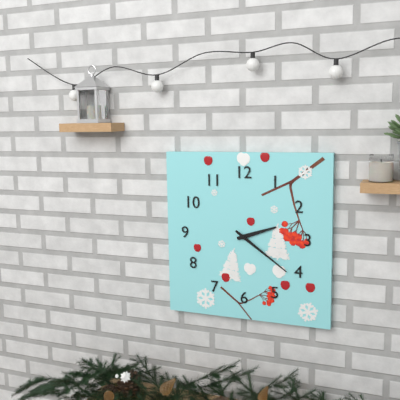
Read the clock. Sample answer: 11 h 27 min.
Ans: 2 h 21 min
